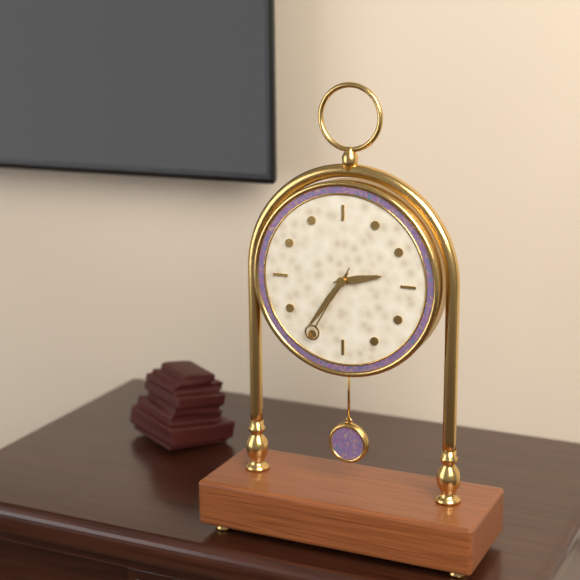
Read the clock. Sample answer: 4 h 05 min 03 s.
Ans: 2 h 36 min 35 s
